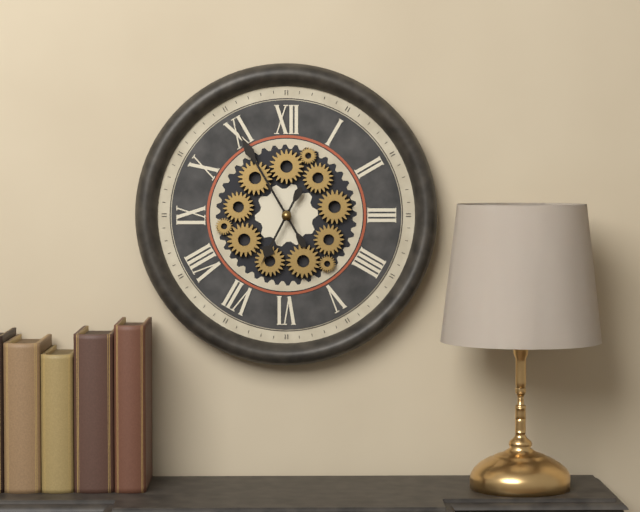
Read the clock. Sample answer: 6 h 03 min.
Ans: 6 h 55 min
